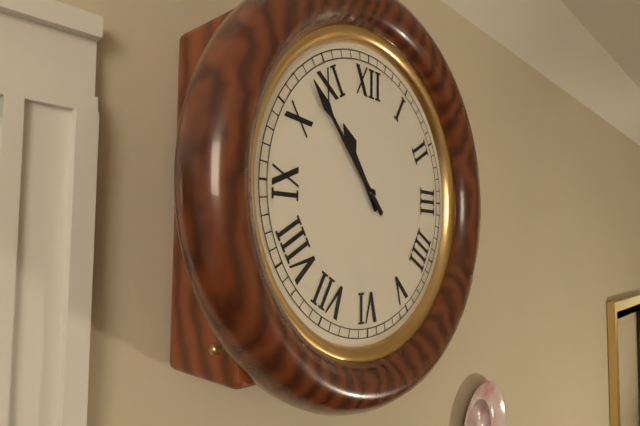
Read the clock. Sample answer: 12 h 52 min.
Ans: 10 h 53 min
